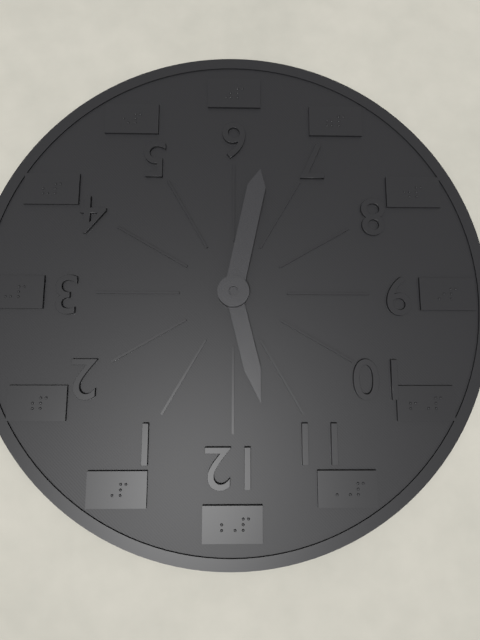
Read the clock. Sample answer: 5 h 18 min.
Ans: 11 h 32 min
